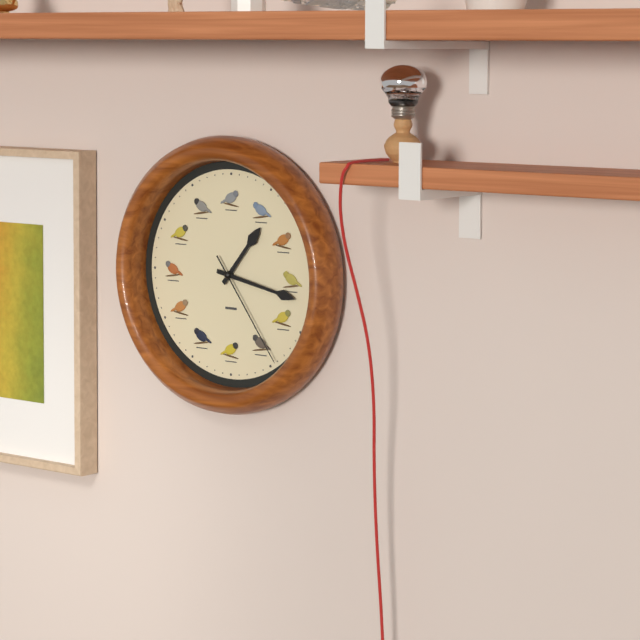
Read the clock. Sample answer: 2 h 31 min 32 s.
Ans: 1 h 17 min 24 s
